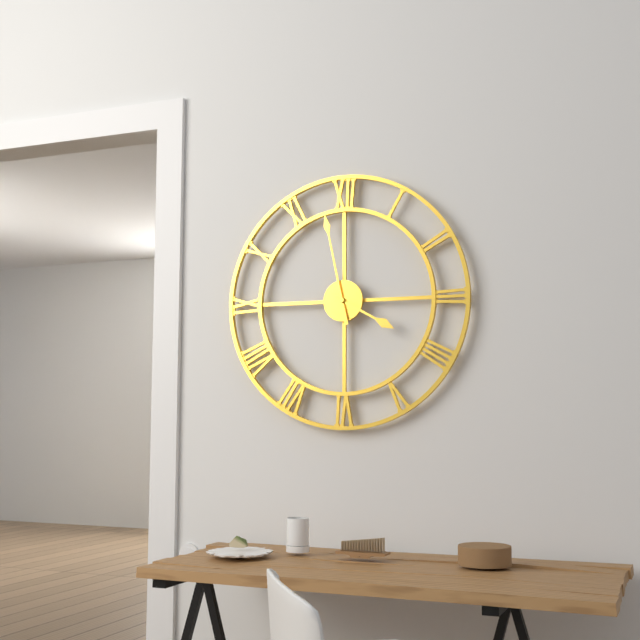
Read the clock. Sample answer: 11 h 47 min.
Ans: 3 h 58 min
